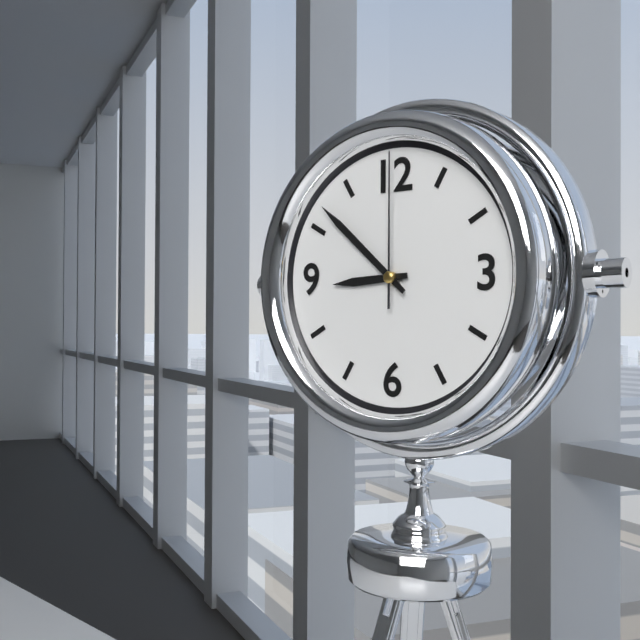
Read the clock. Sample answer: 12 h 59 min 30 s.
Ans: 8 h 52 min 00 s
